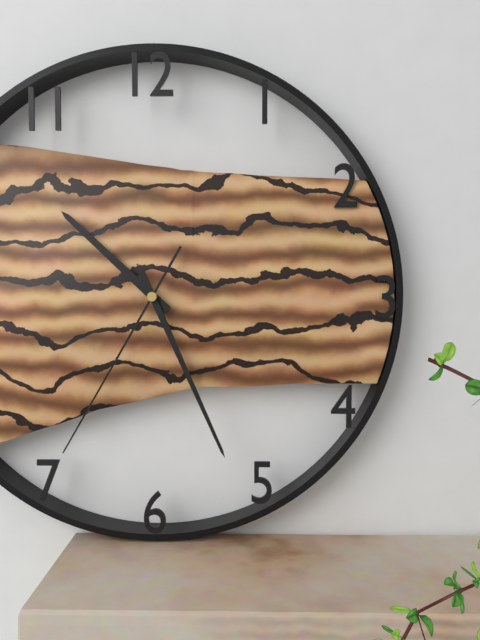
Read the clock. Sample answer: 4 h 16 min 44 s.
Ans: 10 h 26 min 35 s
